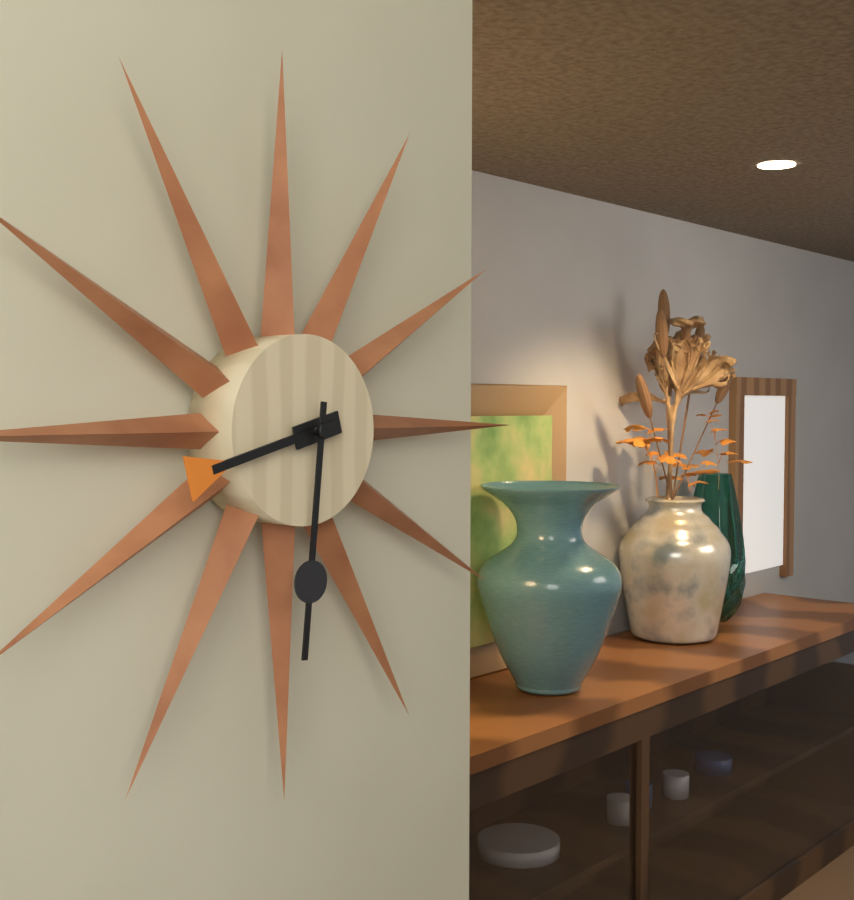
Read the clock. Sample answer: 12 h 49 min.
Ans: 8 h 31 min
